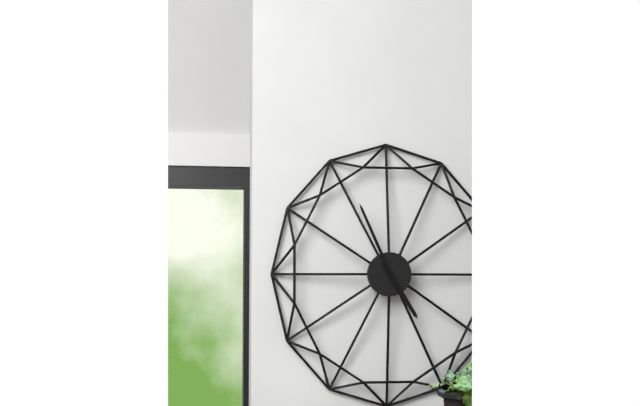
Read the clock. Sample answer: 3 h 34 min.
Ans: 4 h 56 min
